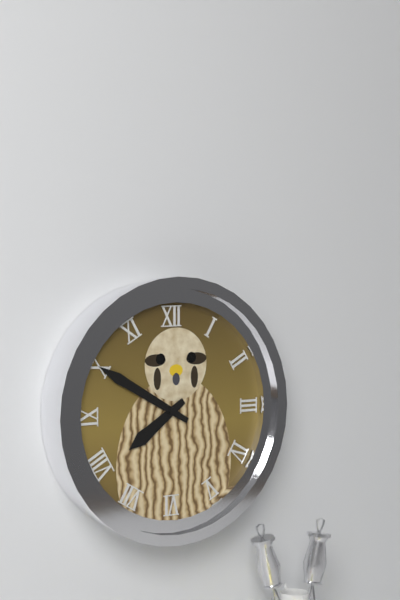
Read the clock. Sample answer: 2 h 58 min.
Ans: 7 h 50 min
